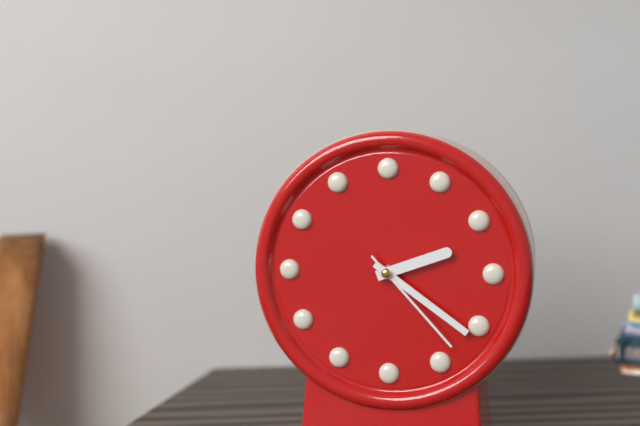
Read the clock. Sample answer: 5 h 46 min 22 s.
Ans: 2 h 21 min 23 s
